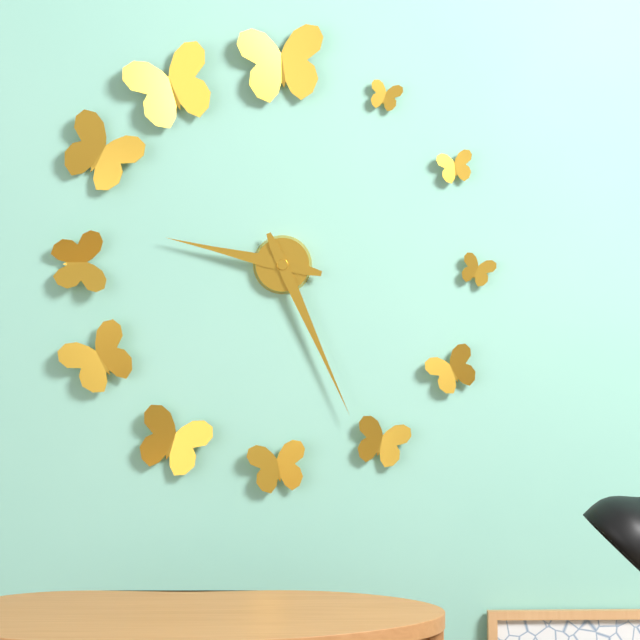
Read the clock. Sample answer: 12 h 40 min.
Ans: 9 h 26 min
